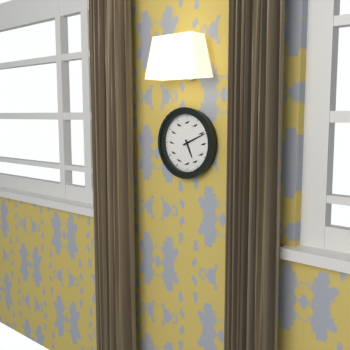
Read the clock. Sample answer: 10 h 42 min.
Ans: 5 h 11 min
